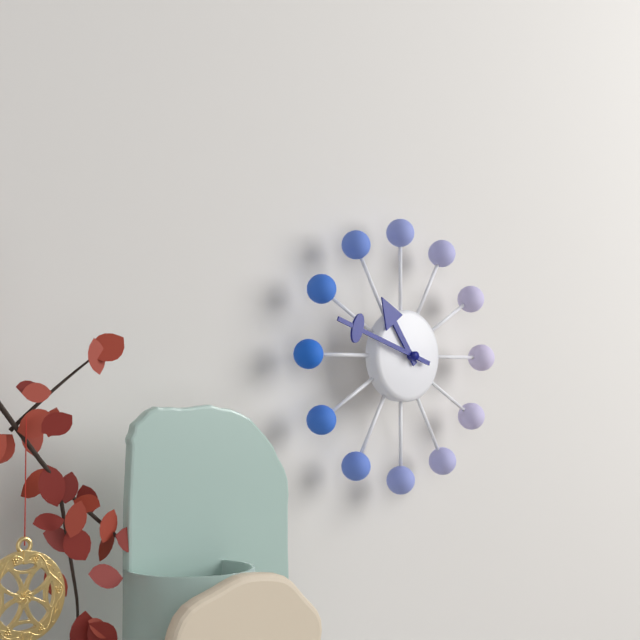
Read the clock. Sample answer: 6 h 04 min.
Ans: 10 h 48 min
